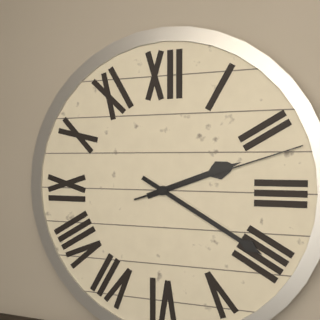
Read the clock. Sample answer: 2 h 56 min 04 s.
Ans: 2 h 20 min 12 s
